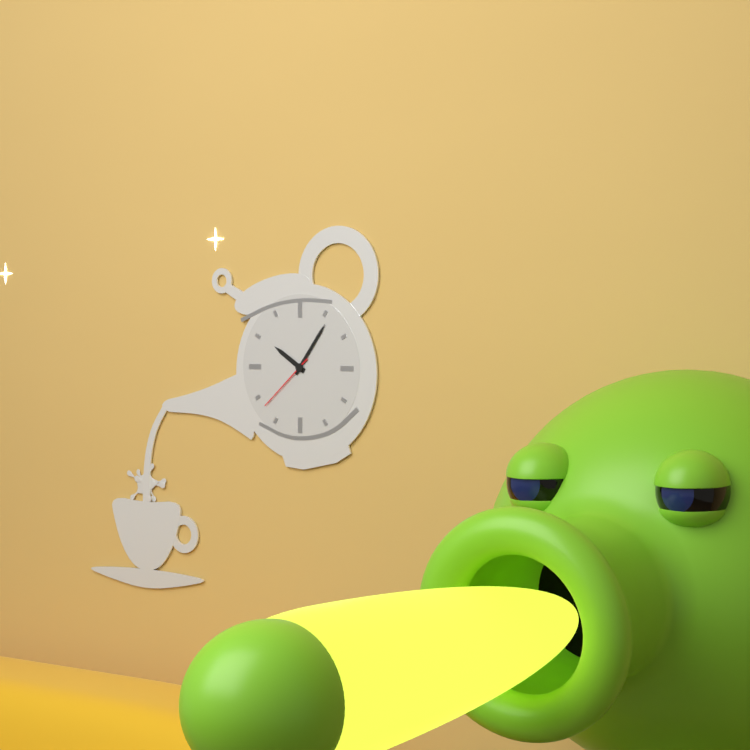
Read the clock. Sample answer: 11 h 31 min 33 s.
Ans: 10 h 06 min 38 s
